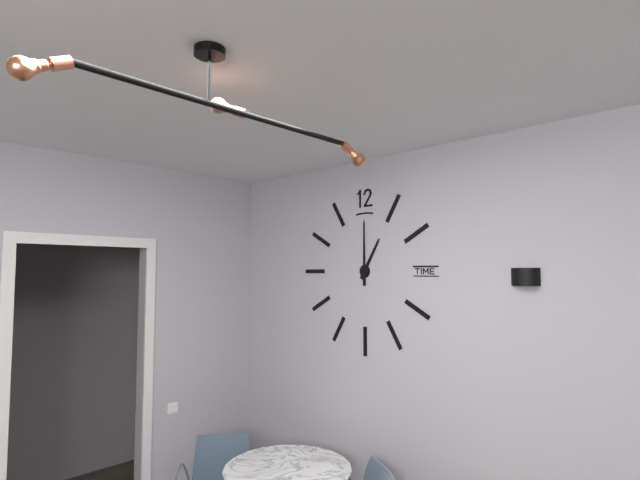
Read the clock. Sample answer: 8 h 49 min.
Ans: 1 h 00 min
